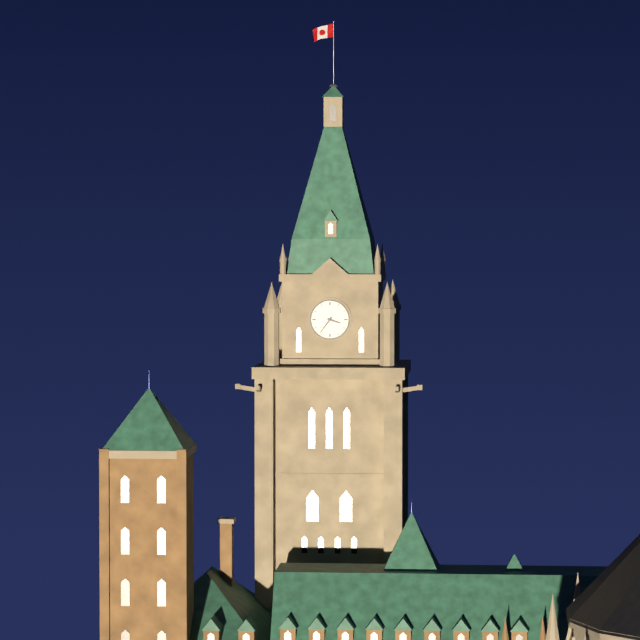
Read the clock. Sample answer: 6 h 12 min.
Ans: 3 h 36 min
